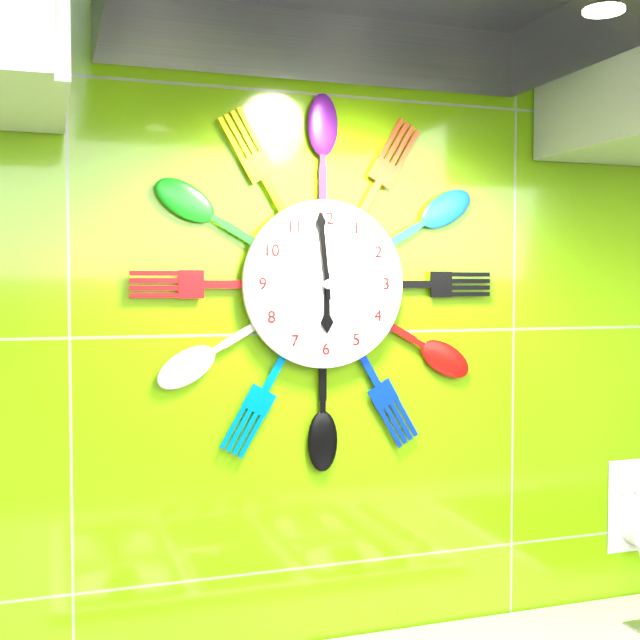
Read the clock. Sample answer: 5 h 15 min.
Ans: 5 h 59 min
